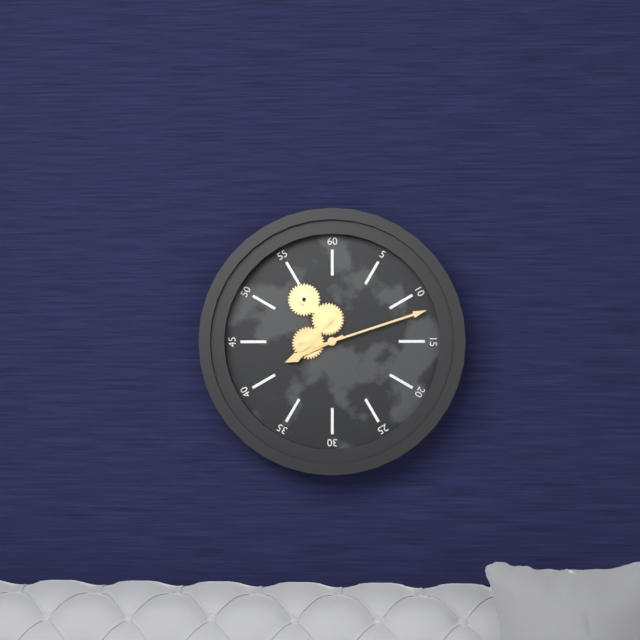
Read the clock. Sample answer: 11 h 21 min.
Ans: 8 h 12 min
